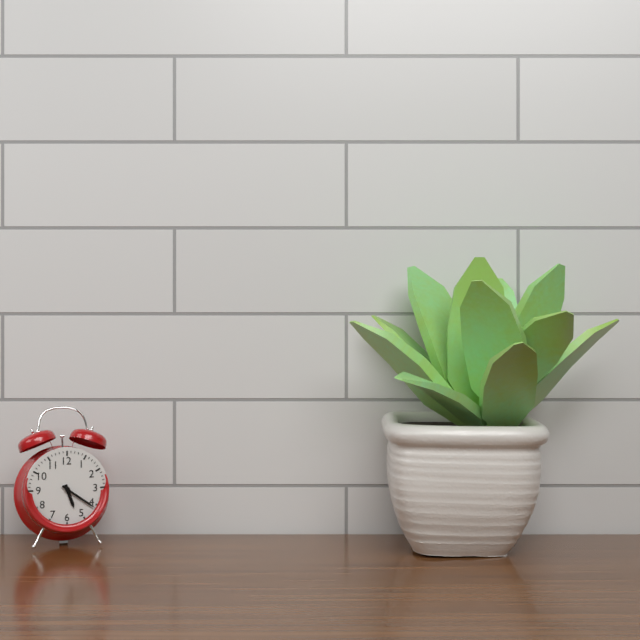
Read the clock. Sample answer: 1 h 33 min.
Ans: 5 h 21 min
